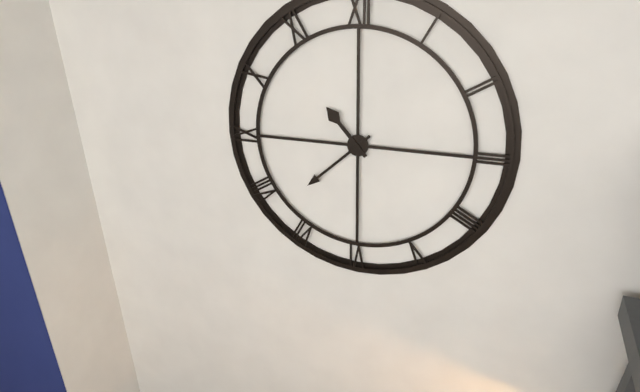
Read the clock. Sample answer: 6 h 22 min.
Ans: 10 h 38 min
